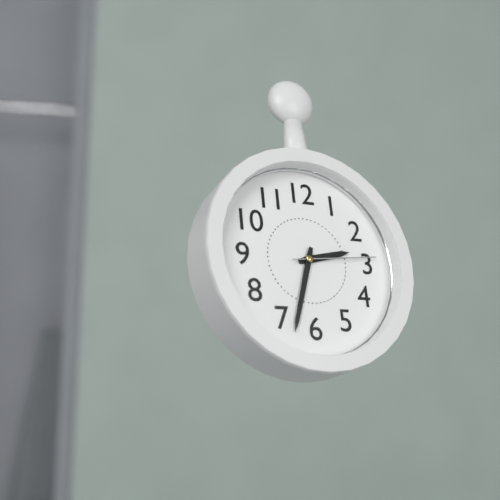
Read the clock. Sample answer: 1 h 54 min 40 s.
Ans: 2 h 33 min 14 s
